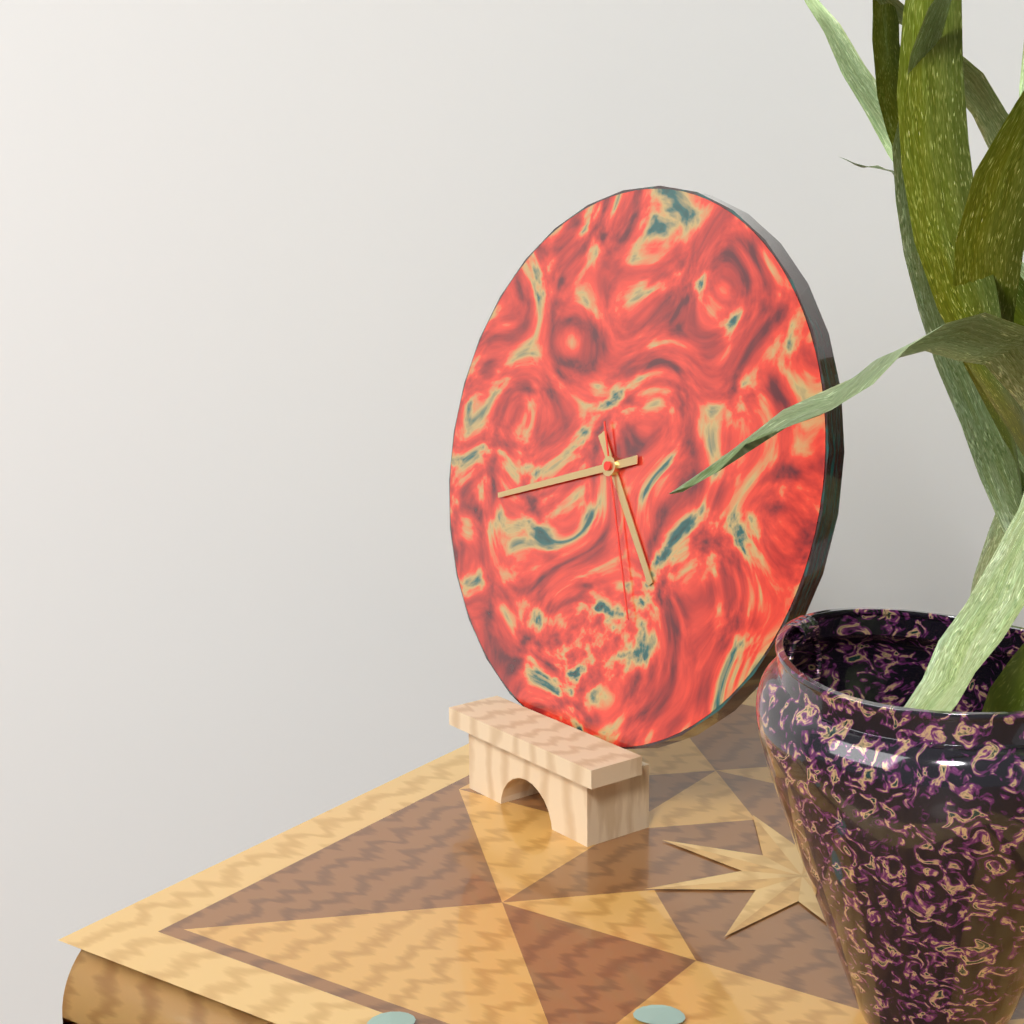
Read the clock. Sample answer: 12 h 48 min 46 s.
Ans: 4 h 42 min 26 s
